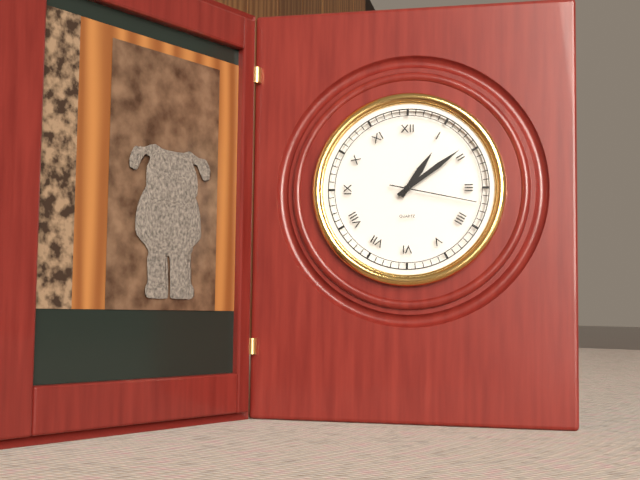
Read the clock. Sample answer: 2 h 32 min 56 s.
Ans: 1 h 09 min 17 s
